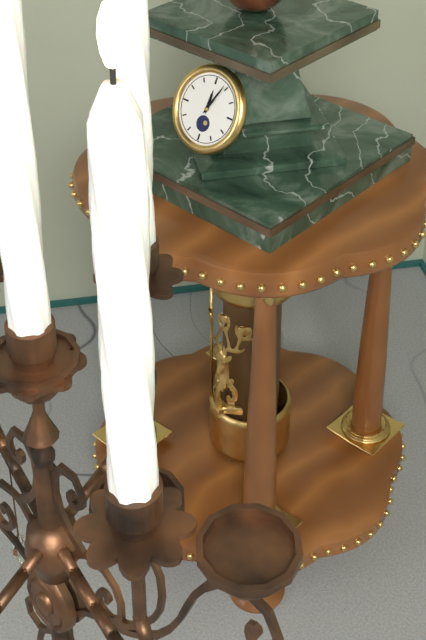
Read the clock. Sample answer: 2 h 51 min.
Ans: 12 h 04 min
